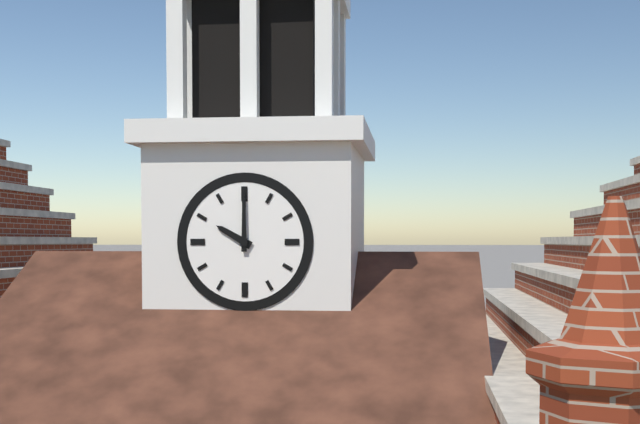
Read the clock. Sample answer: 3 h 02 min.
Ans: 10 h 00 min
